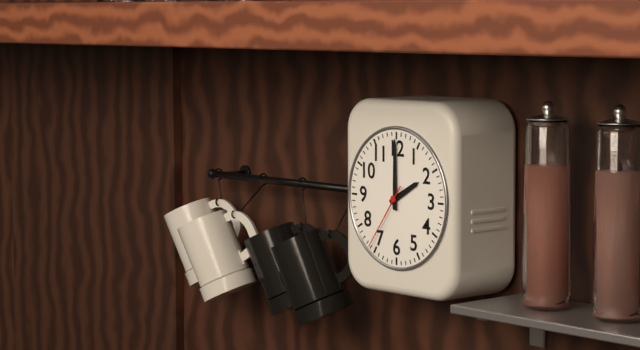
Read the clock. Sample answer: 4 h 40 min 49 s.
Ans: 2 h 00 min 36 s
